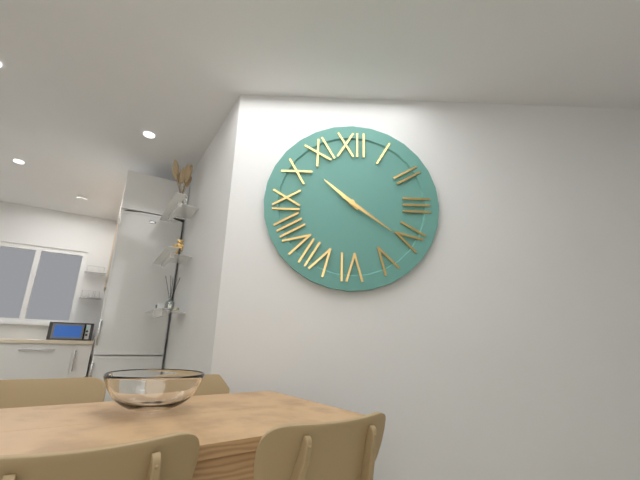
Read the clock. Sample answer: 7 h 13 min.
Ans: 10 h 21 min
